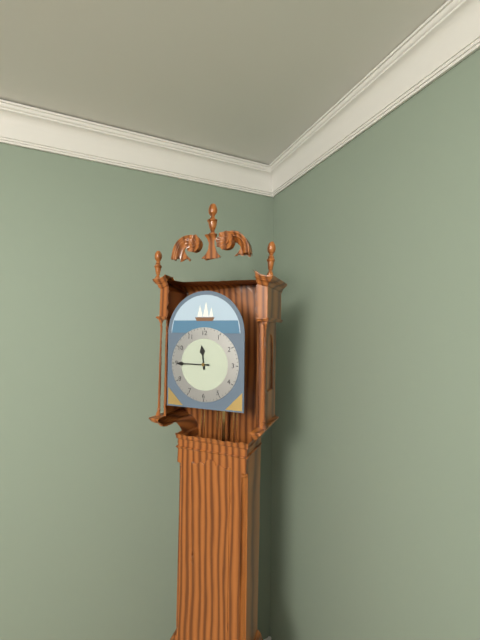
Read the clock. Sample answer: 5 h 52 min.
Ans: 11 h 45 min
